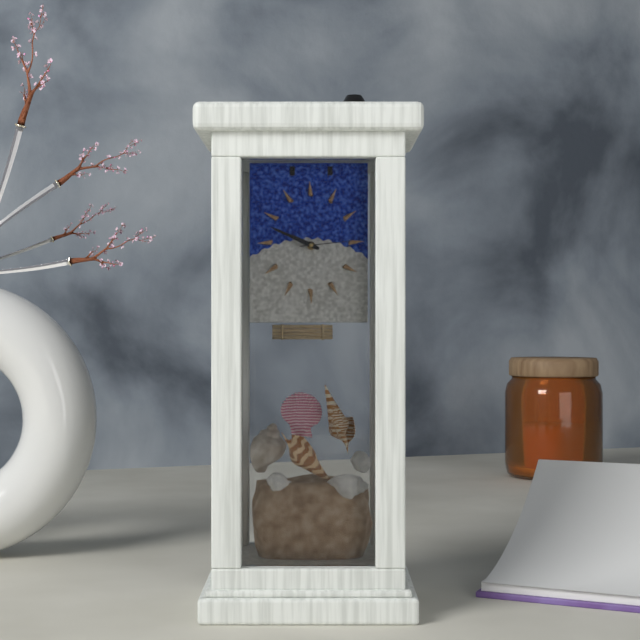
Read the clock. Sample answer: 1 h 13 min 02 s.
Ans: 9 h 49 min 14 s
